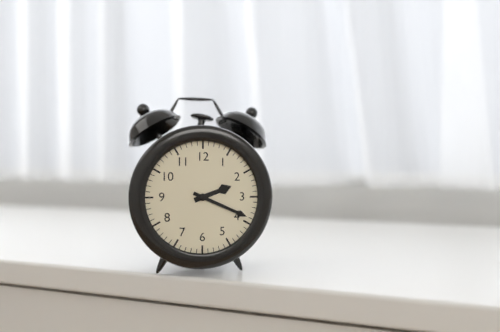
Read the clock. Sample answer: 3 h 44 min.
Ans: 2 h 19 min
